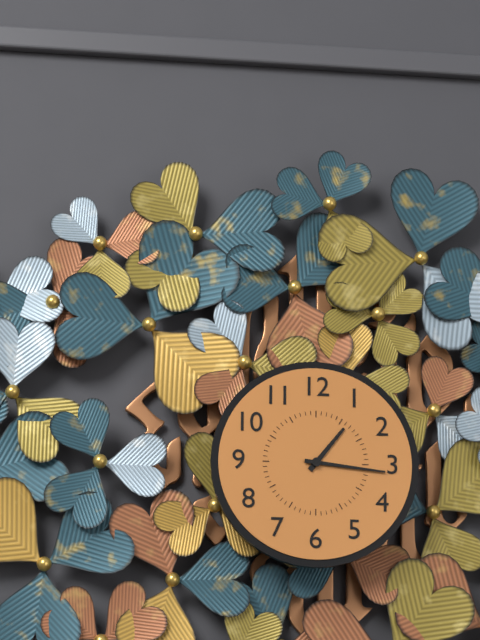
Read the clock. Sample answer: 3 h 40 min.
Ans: 1 h 16 min
